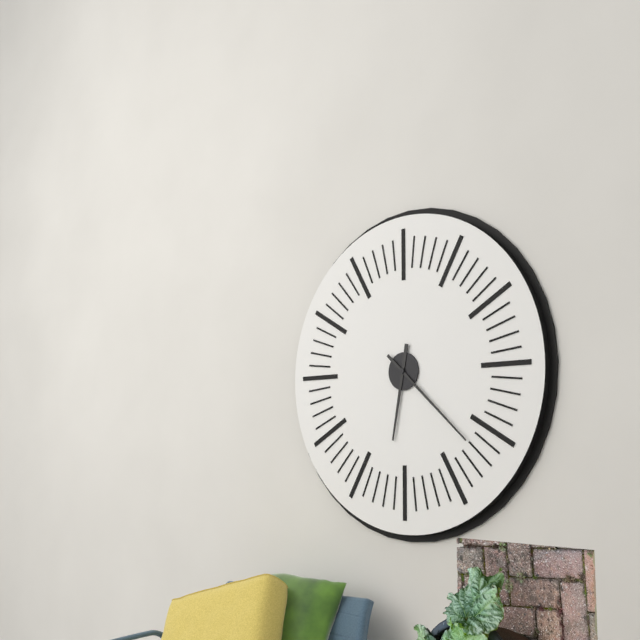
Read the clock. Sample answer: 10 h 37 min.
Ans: 6 h 22 min
